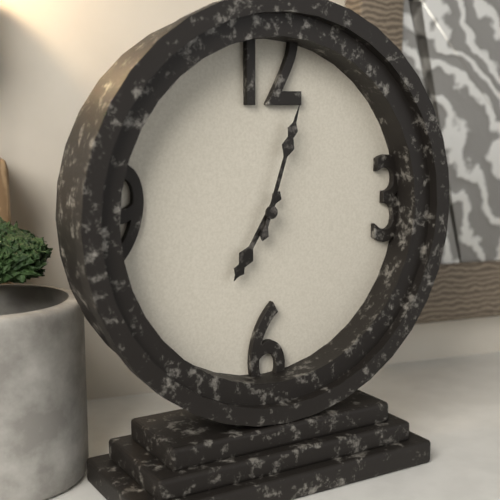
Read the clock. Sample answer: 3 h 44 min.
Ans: 7 h 03 min
